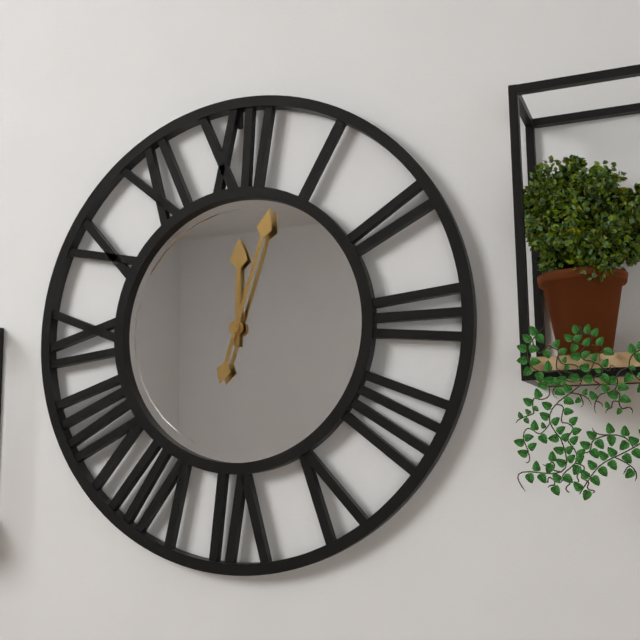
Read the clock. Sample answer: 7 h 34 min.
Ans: 12 h 03 min
